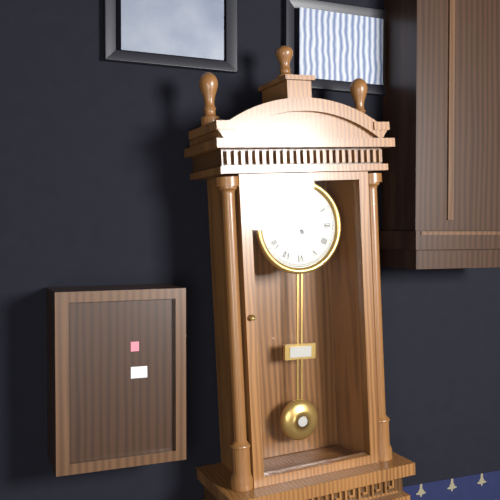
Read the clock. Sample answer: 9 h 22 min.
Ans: 10 h 56 min
